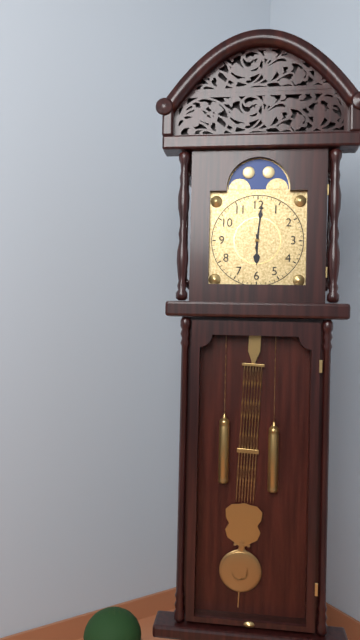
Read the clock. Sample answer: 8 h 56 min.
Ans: 6 h 01 min
